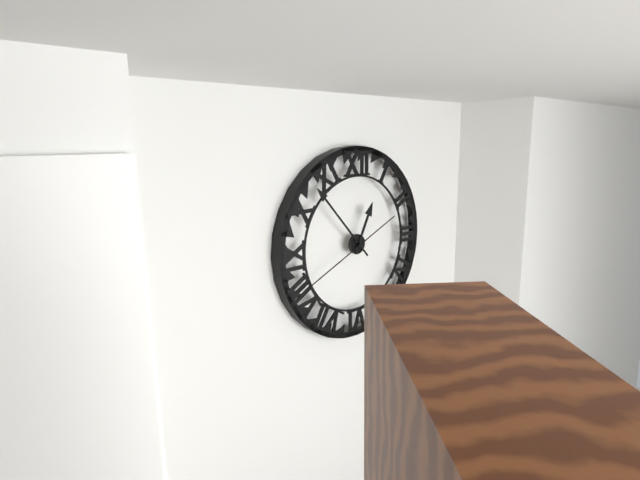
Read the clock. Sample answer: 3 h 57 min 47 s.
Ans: 12 h 53 min 41 s
